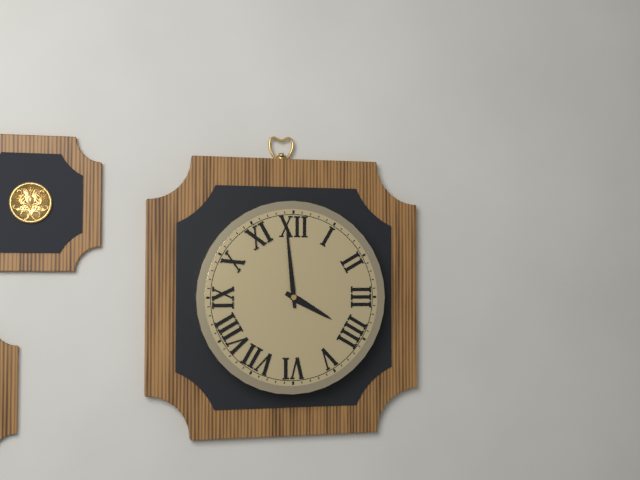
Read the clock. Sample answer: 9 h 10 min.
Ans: 3 h 59 min
